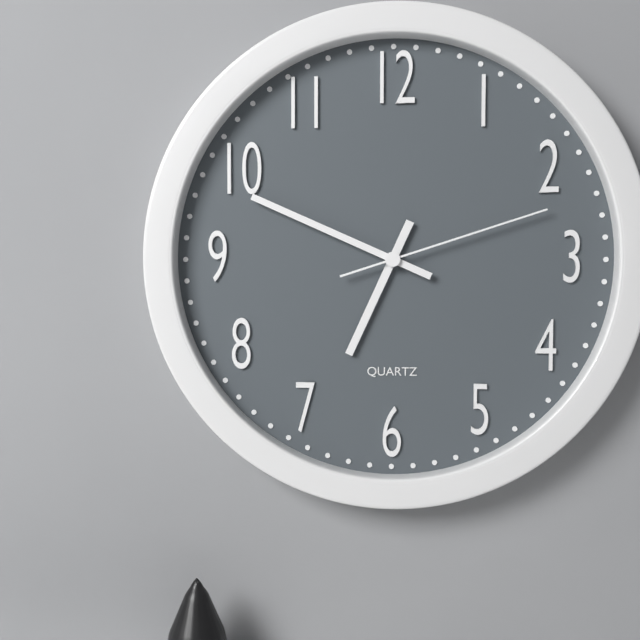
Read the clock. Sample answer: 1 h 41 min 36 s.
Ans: 6 h 49 min 12 s
